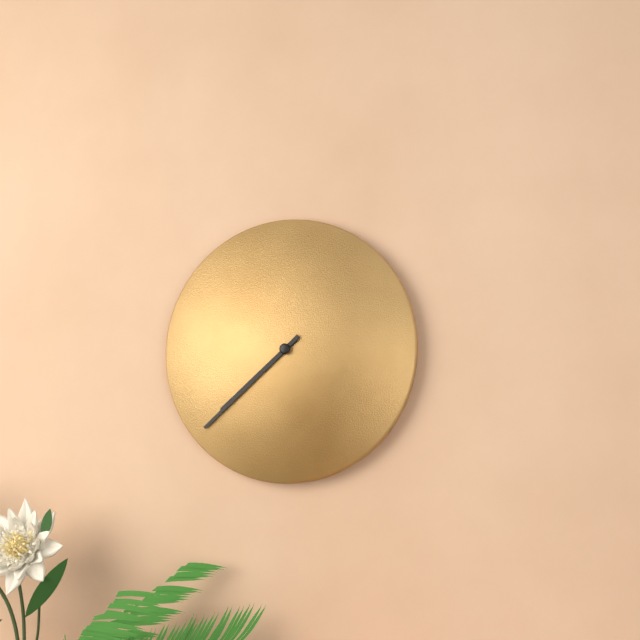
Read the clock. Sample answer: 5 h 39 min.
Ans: 7 h 38 min
